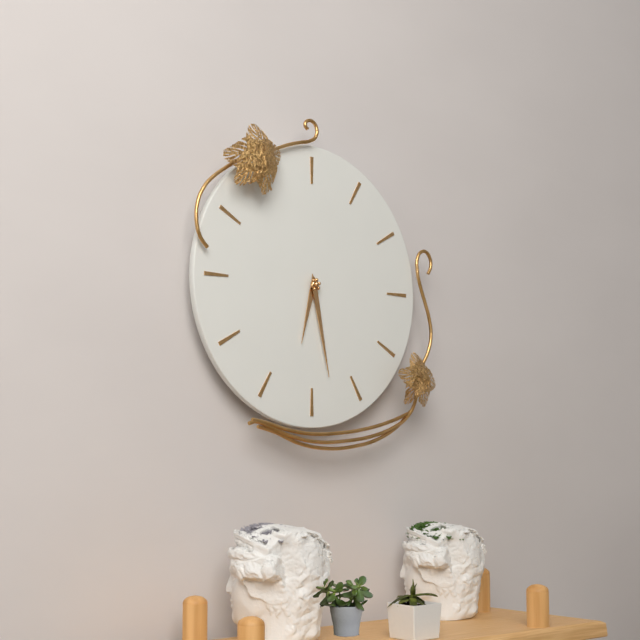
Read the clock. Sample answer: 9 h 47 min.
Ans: 6 h 28 min
